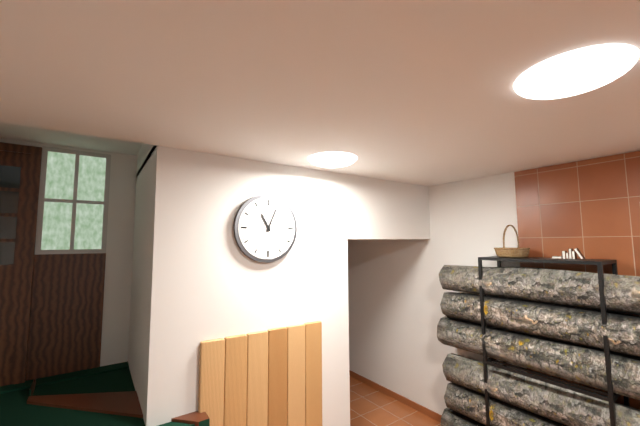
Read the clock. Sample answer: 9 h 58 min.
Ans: 11 h 04 min
